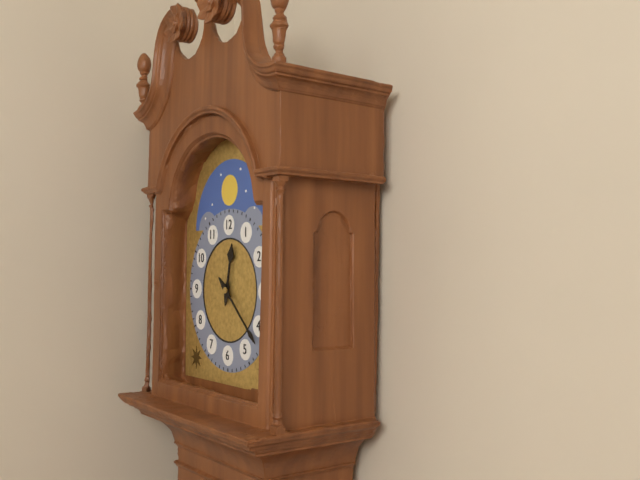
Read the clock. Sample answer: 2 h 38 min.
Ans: 12 h 22 min
